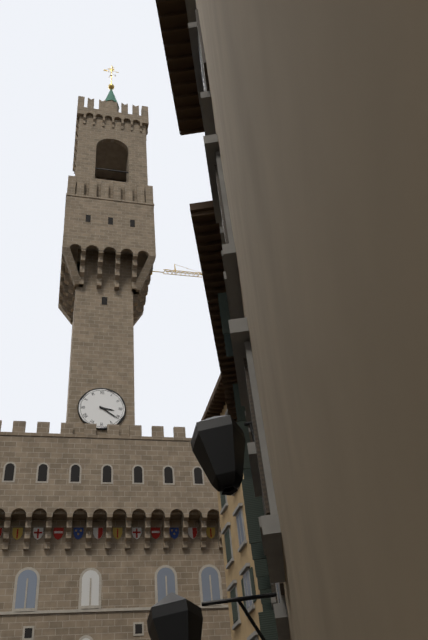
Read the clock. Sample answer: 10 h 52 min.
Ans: 3 h 21 min
